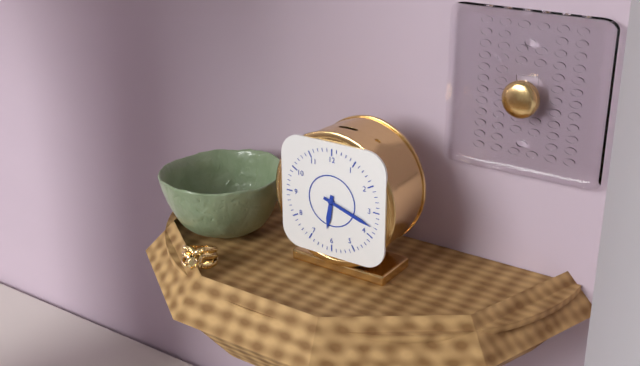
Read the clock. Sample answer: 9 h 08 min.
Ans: 6 h 18 min
